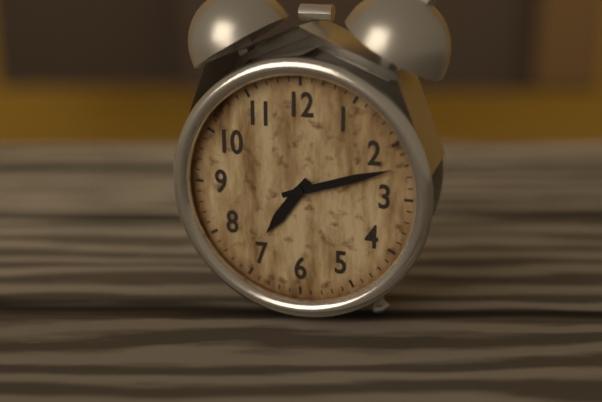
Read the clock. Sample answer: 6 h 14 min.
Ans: 7 h 12 min
